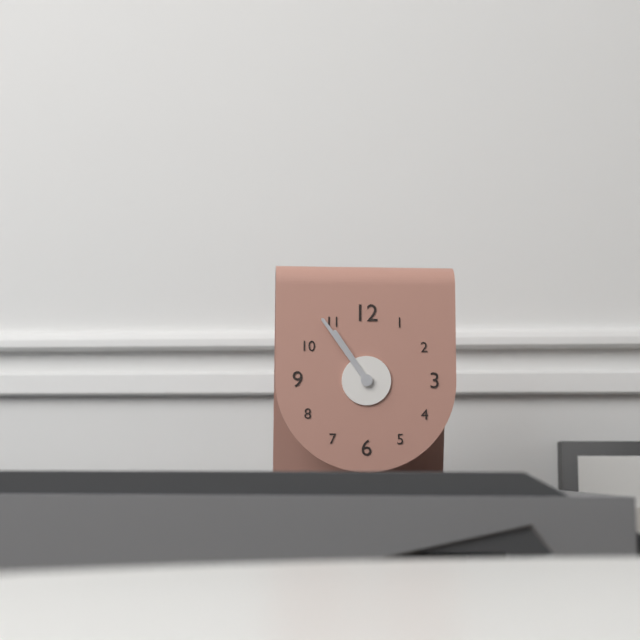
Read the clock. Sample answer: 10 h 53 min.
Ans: 10 h 54 min
